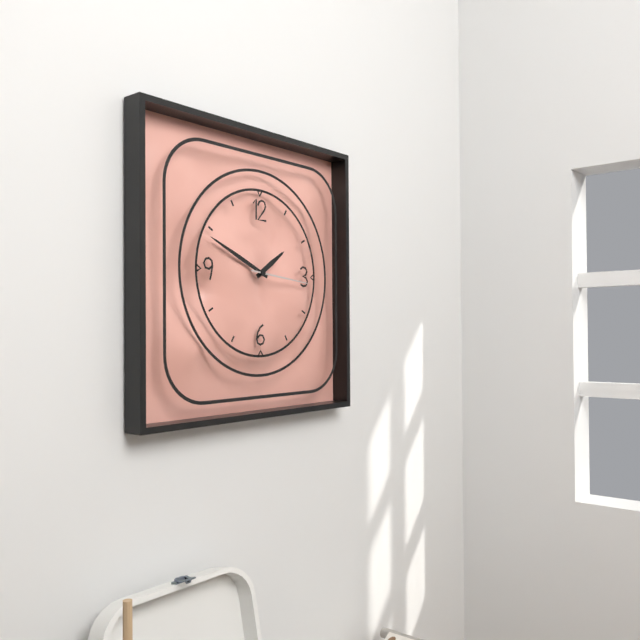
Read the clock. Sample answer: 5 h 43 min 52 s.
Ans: 1 h 49 min 16 s
